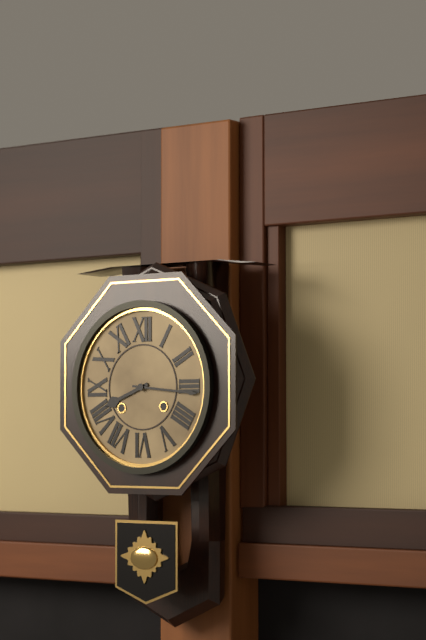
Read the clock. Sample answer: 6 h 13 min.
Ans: 8 h 16 min
